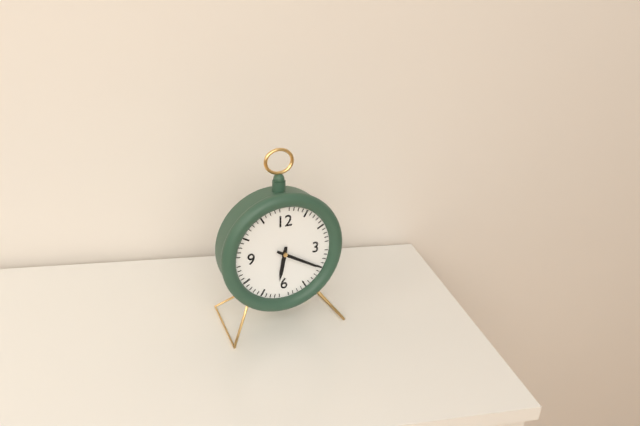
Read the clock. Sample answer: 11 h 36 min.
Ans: 6 h 20 min
